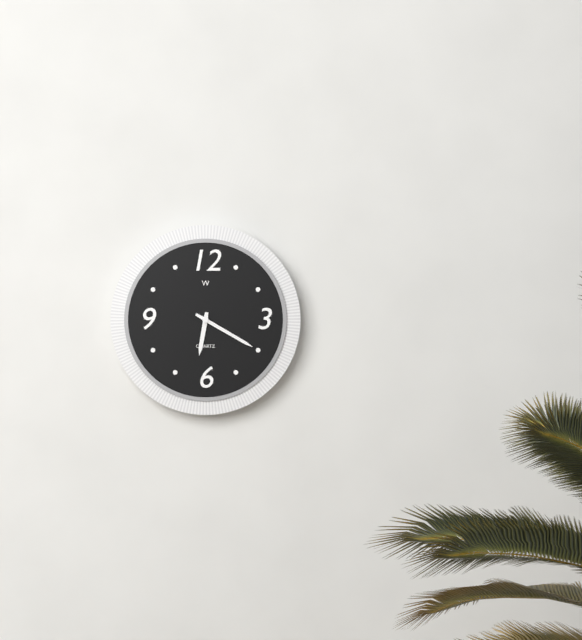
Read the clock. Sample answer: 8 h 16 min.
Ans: 6 h 20 min
